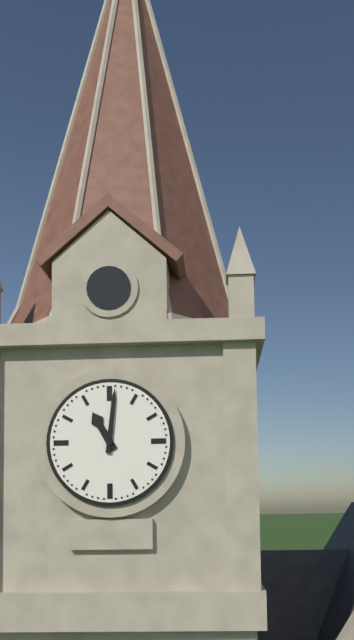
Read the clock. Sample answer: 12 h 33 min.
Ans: 11 h 01 min
